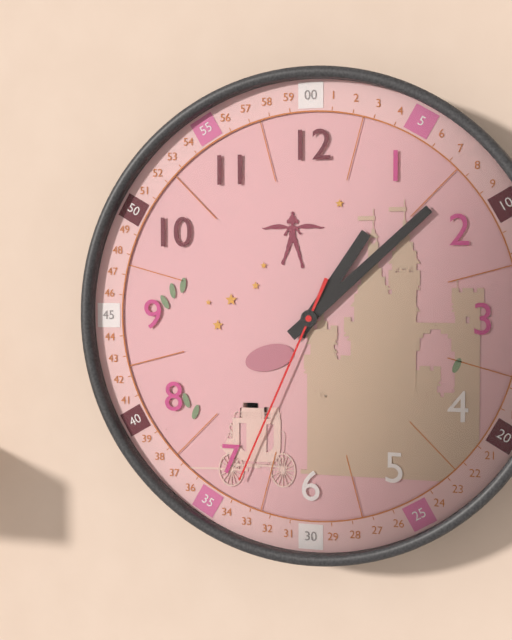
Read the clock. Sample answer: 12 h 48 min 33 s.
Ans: 1 h 08 min 34 s
